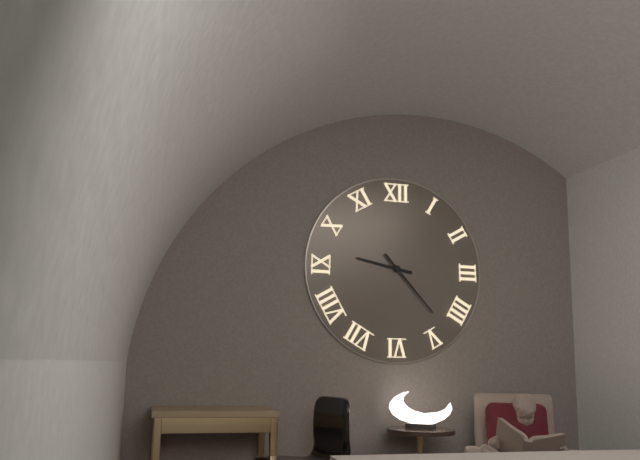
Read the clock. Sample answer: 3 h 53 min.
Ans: 9 h 23 min
